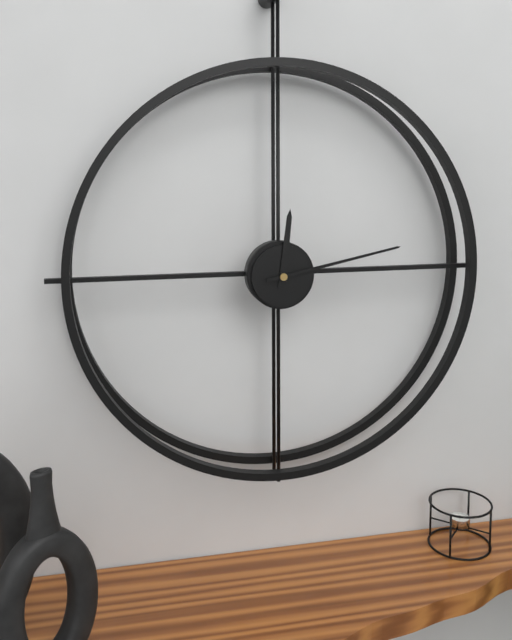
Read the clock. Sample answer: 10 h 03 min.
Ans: 12 h 13 min
